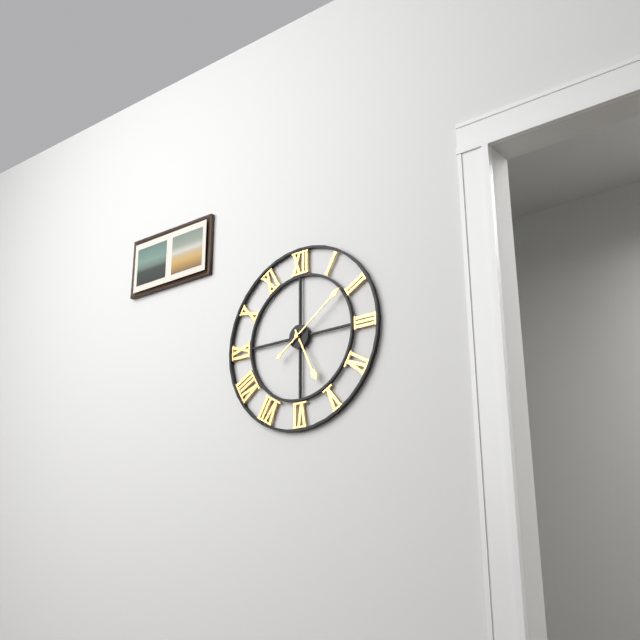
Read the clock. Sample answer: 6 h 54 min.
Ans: 5 h 09 min
